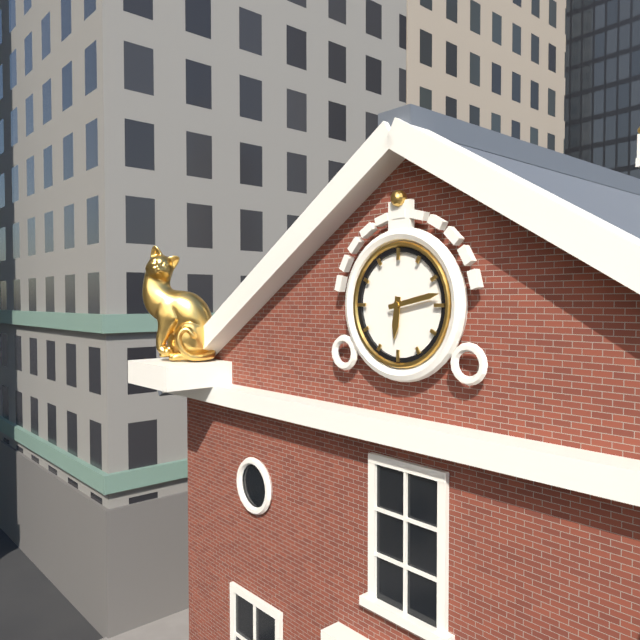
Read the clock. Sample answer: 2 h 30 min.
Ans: 6 h 13 min
